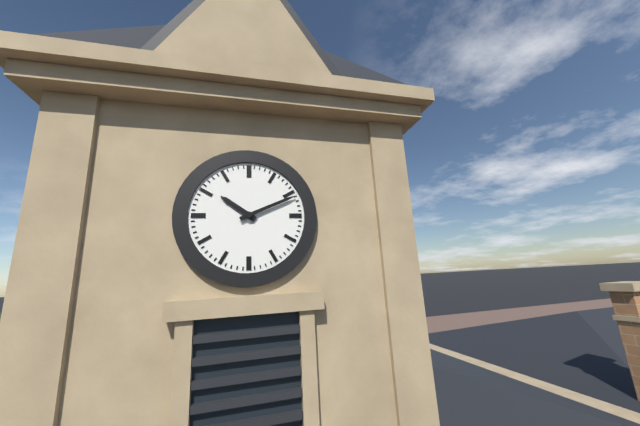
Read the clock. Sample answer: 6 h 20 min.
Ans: 10 h 11 min
